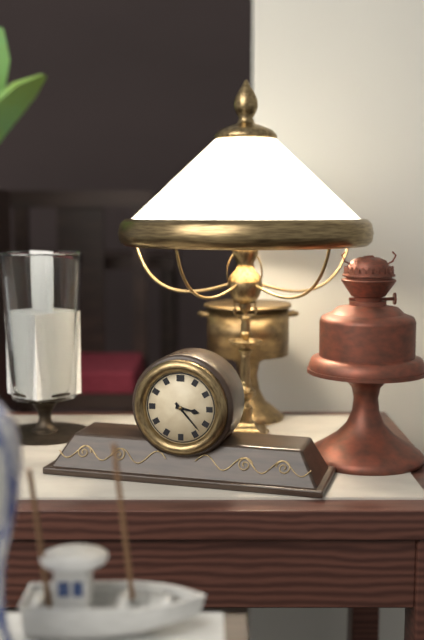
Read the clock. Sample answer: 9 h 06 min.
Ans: 3 h 23 min
